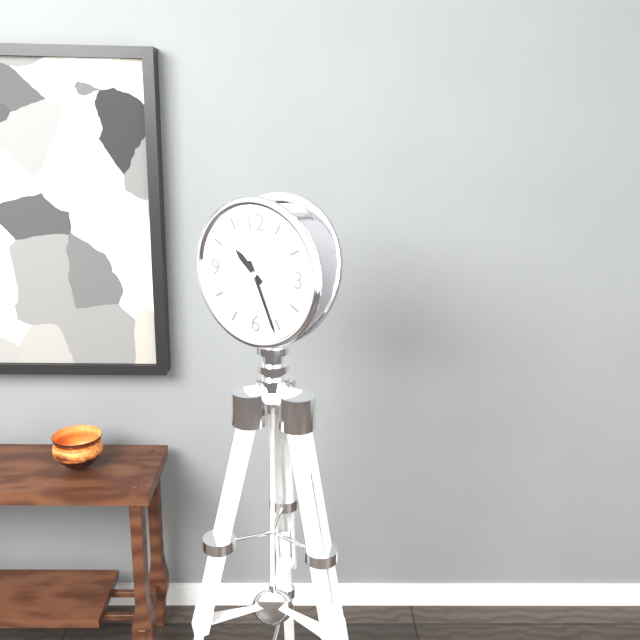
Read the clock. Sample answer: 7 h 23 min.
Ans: 10 h 26 min
